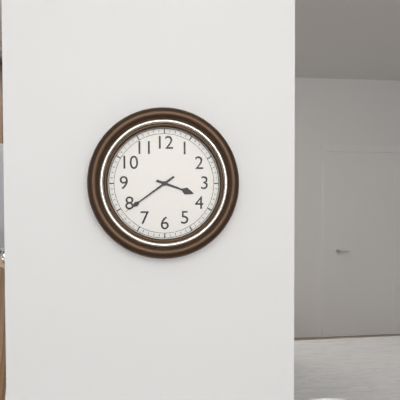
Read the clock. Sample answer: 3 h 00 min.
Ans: 3 h 39 min
